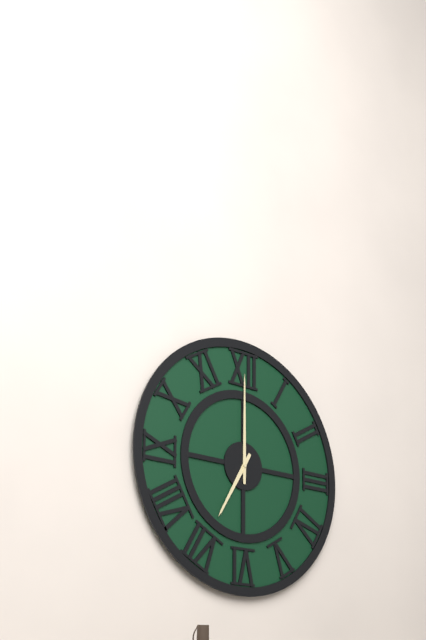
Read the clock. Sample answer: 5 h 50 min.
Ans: 7 h 00 min
